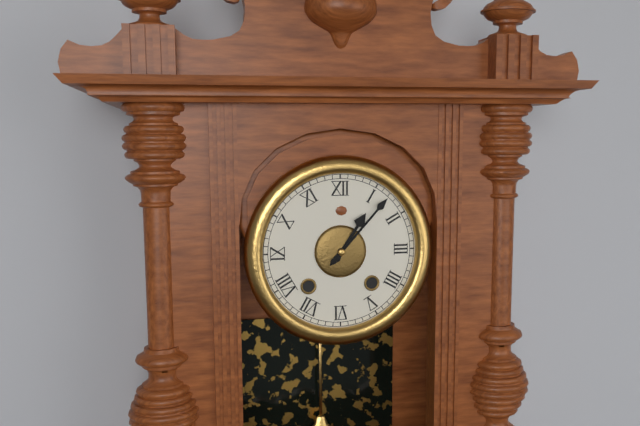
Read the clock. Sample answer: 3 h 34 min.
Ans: 1 h 07 min
